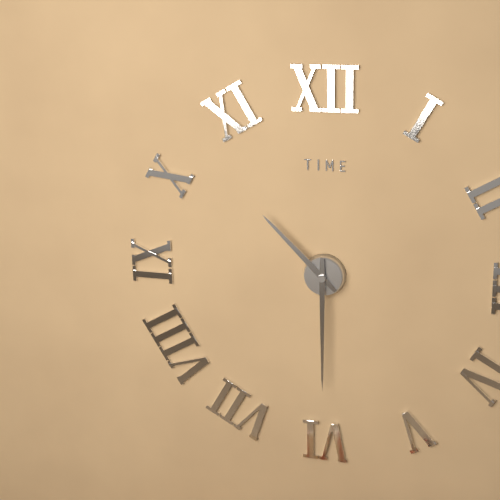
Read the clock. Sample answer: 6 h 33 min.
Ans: 10 h 30 min
